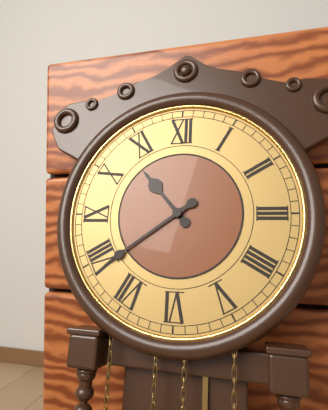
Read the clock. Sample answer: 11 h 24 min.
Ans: 10 h 39 min
